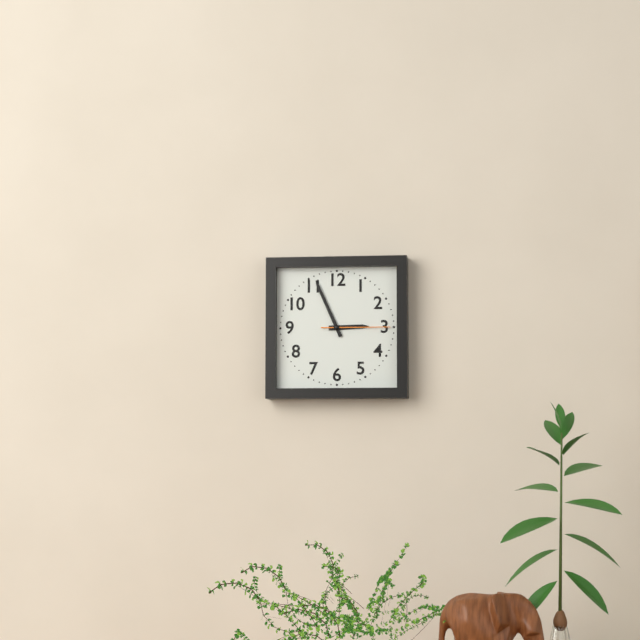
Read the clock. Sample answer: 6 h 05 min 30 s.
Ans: 2 h 56 min 15 s
